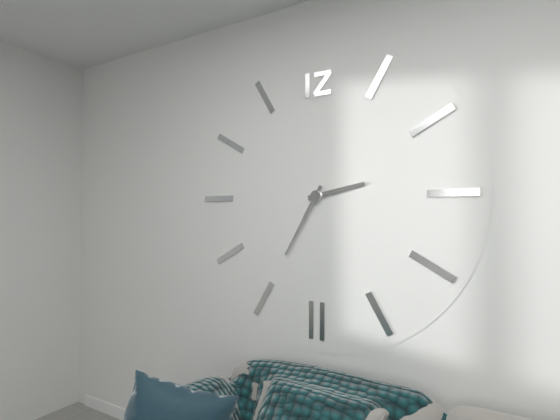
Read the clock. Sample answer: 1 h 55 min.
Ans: 2 h 35 min
